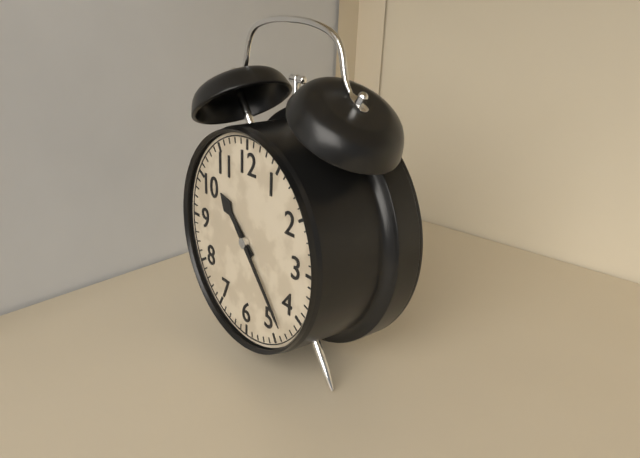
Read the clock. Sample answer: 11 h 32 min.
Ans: 10 h 23 min
